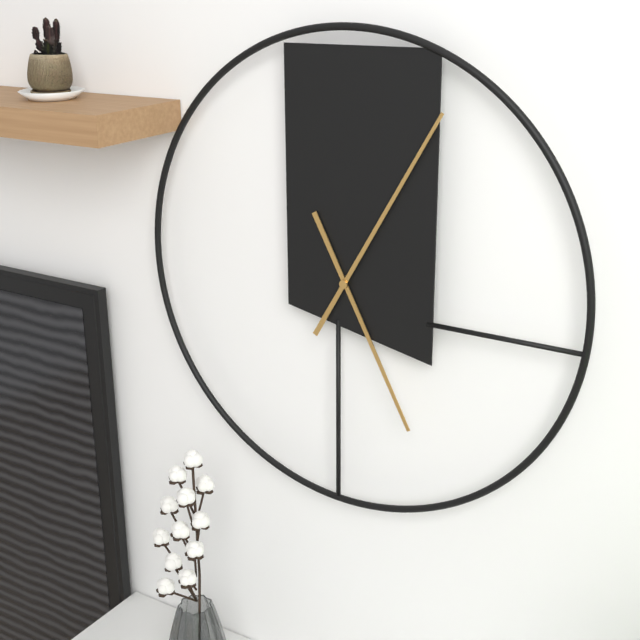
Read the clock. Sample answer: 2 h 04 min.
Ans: 5 h 05 min
